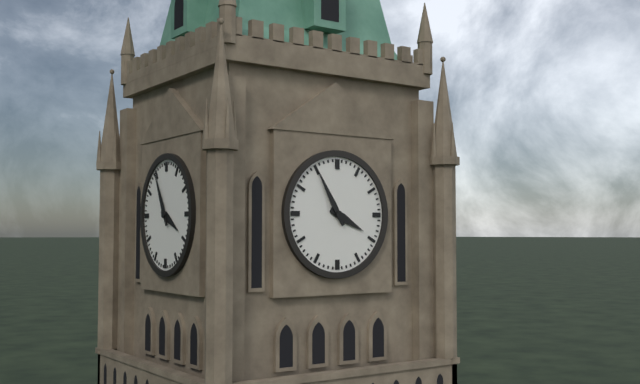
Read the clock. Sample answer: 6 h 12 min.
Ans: 3 h 55 min
